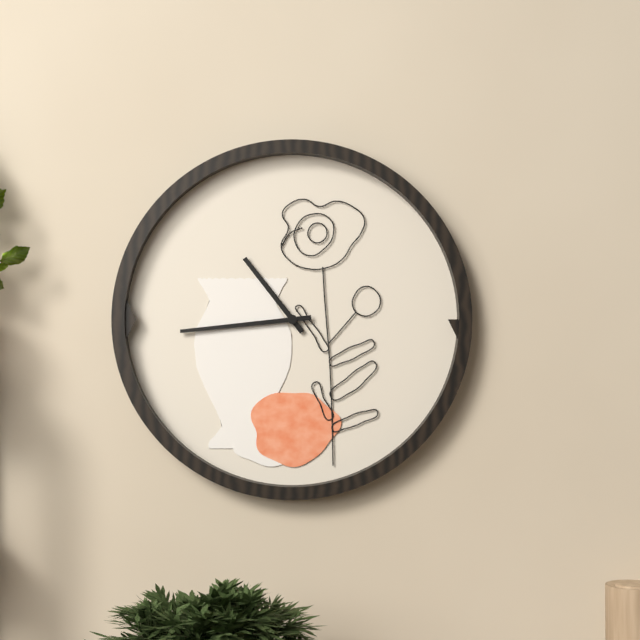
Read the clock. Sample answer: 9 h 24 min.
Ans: 10 h 44 min
